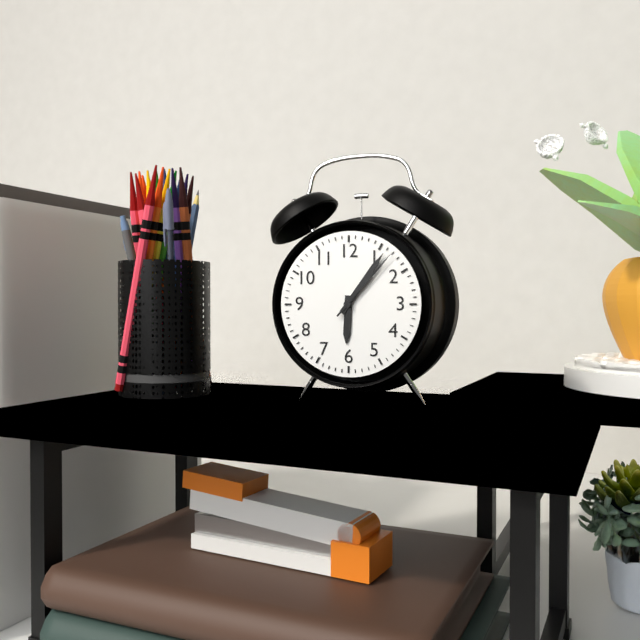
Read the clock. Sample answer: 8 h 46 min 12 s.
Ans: 6 h 06 min 07 s
